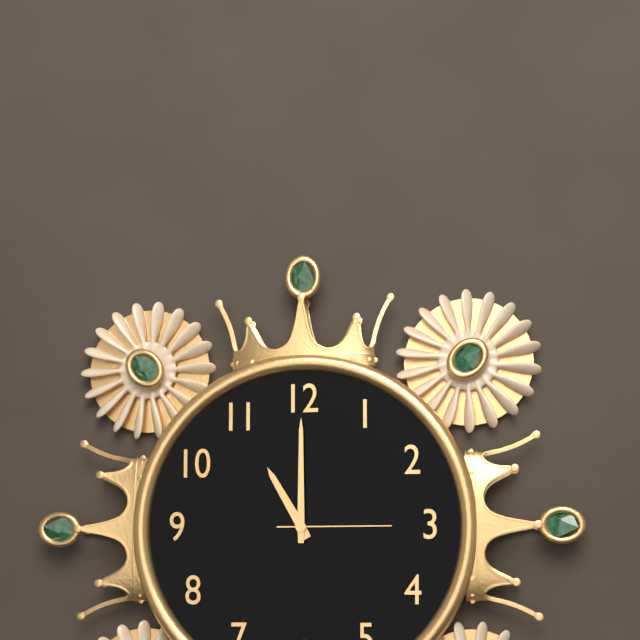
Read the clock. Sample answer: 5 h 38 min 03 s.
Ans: 11 h 00 min 15 s
